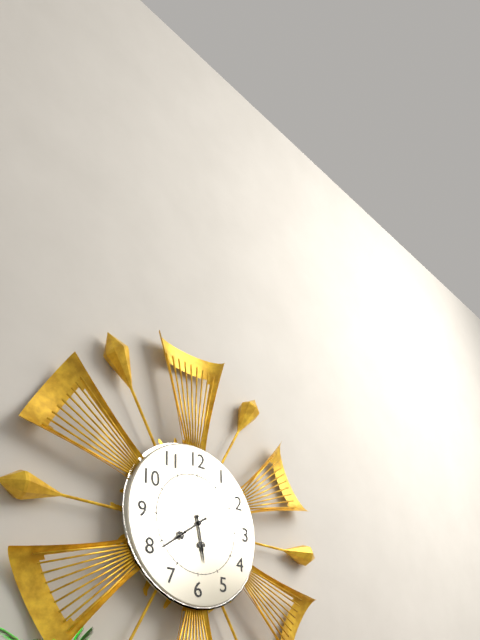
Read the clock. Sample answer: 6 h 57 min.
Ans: 5 h 39 min
